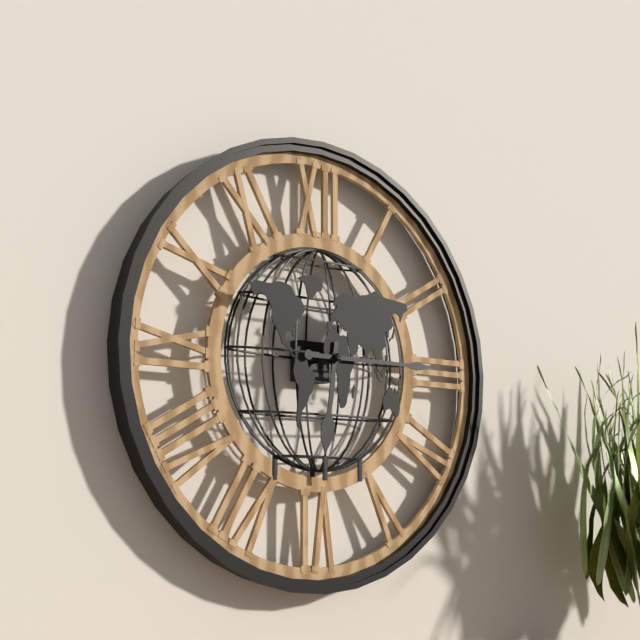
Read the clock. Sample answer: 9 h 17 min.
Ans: 6 h 15 min
